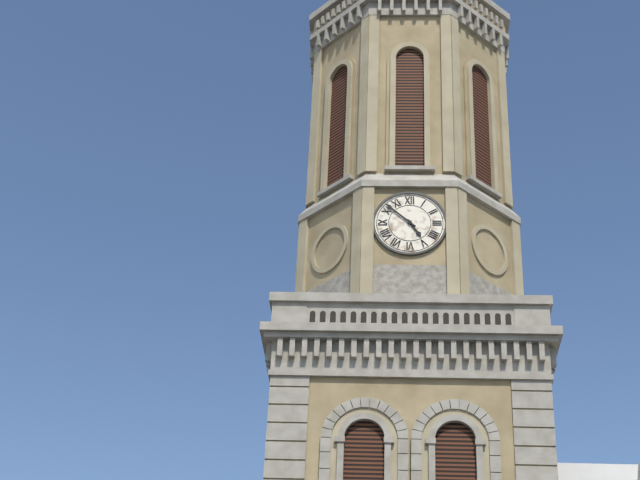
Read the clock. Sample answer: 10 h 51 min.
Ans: 4 h 52 min
